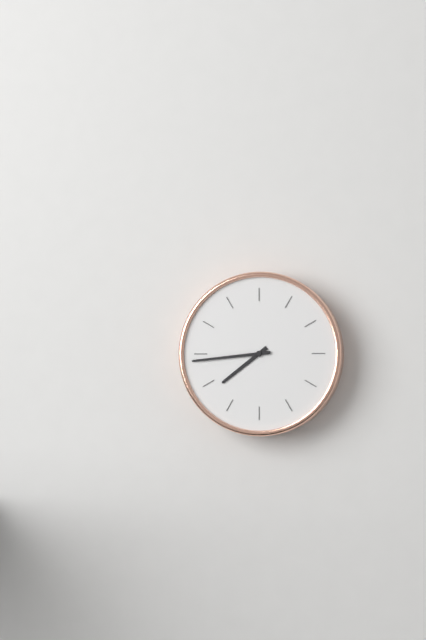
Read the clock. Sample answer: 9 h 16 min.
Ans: 7 h 44 min
